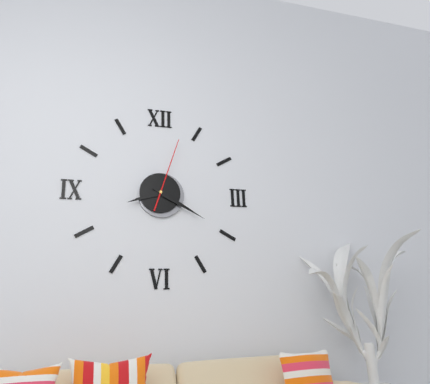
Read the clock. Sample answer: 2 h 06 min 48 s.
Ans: 8 h 20 min 03 s
